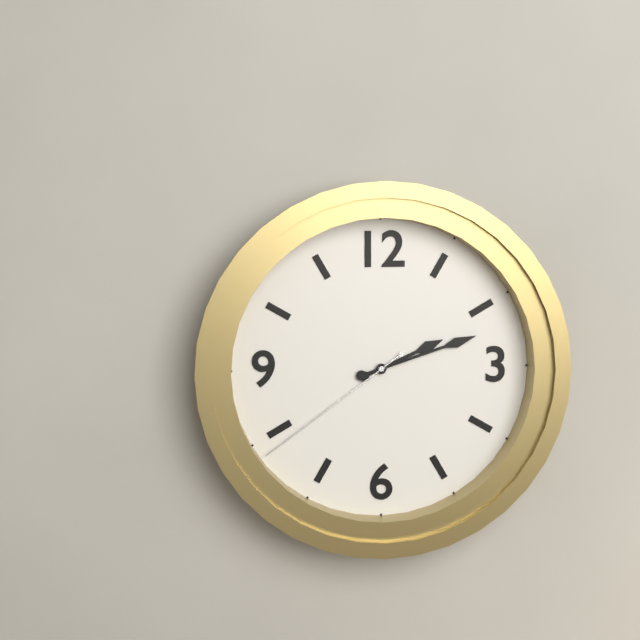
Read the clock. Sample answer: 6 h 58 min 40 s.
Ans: 2 h 12 min 39 s
